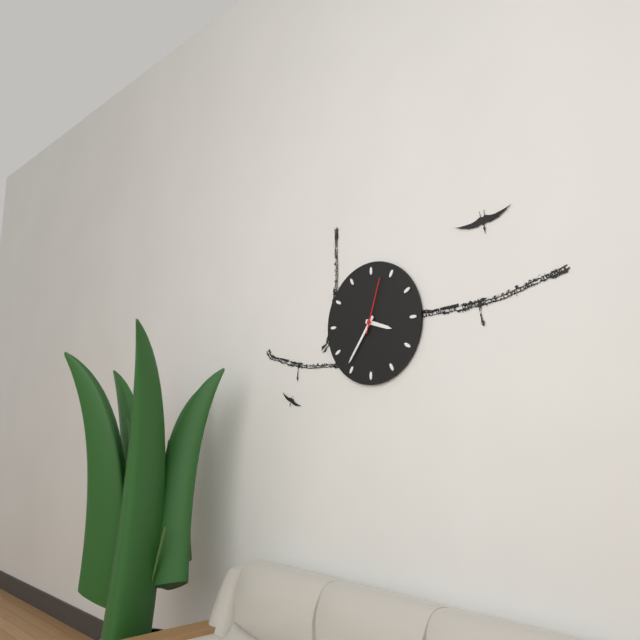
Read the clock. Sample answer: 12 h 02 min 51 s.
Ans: 3 h 36 min 03 s
